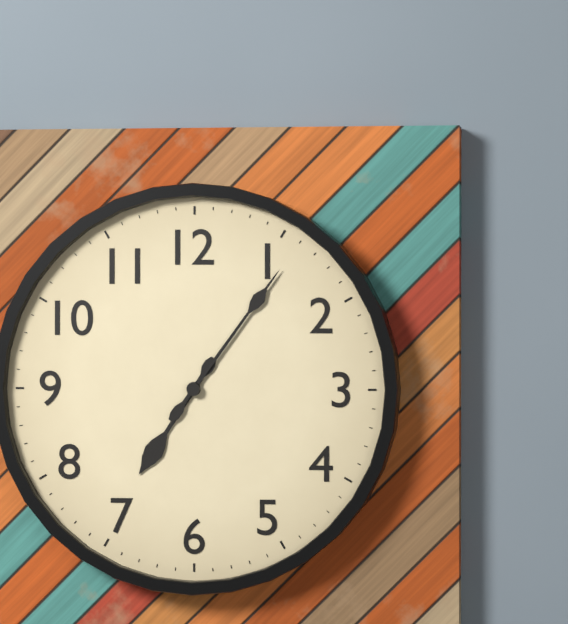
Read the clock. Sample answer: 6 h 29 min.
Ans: 7 h 06 min
